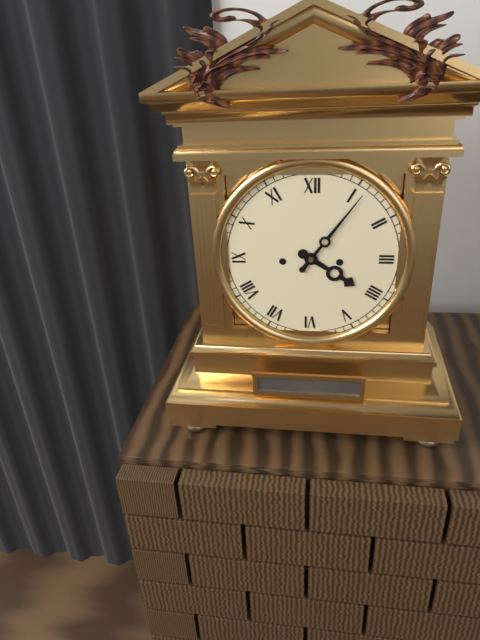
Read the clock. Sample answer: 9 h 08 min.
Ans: 4 h 06 min
